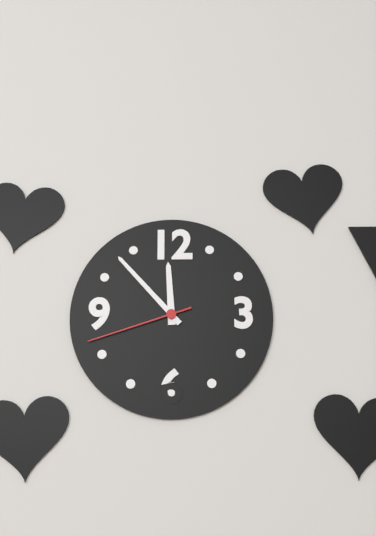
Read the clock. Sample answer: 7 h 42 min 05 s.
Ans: 11 h 53 min 42 s
